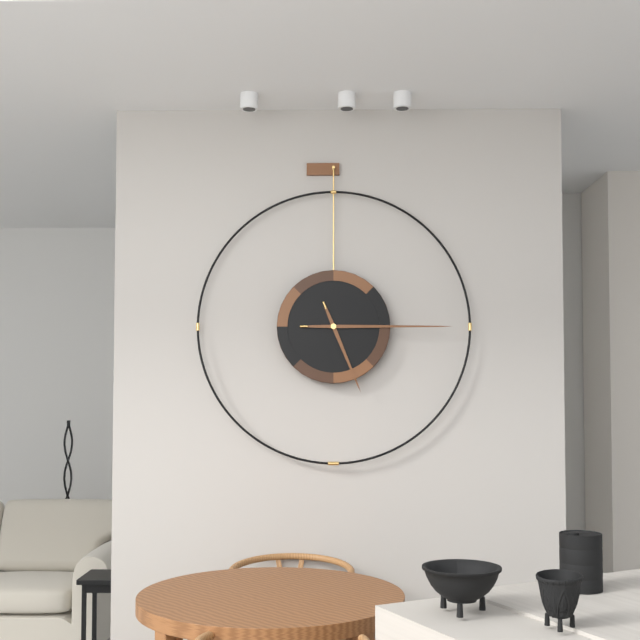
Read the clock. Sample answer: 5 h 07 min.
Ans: 5 h 15 min
